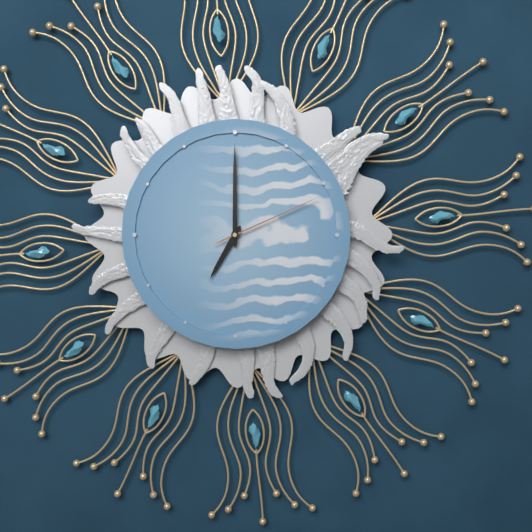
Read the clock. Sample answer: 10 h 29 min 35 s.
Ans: 7 h 00 min 11 s
